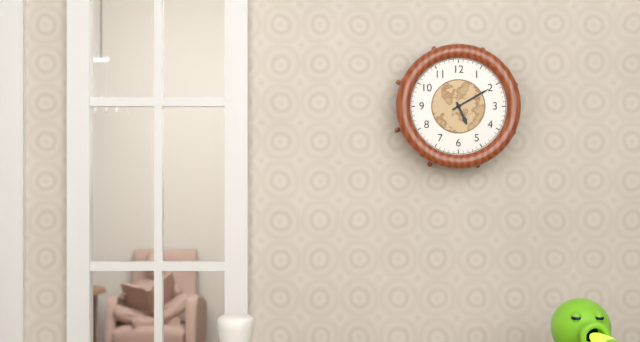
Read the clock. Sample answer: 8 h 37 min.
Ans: 5 h 10 min
